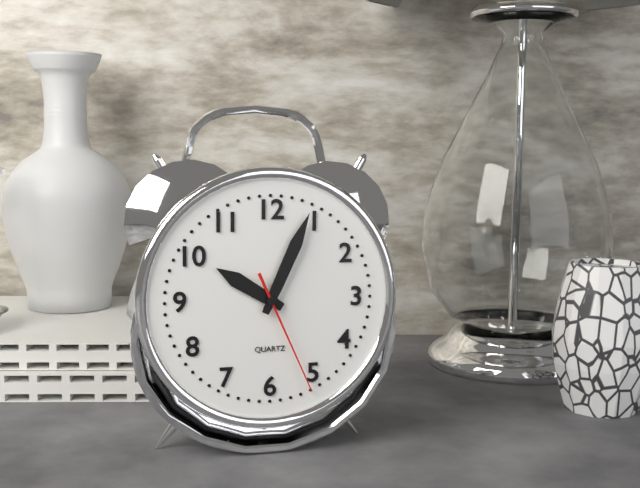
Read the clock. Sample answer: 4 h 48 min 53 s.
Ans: 10 h 04 min 26 s
